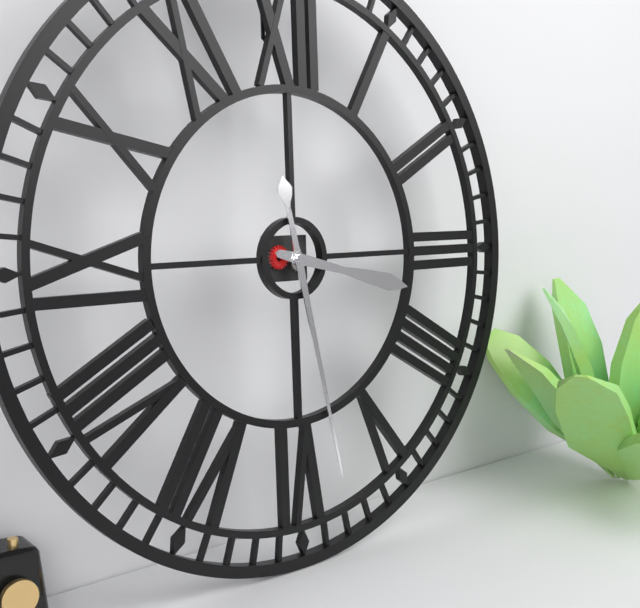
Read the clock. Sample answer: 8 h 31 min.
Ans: 3 h 28 min
